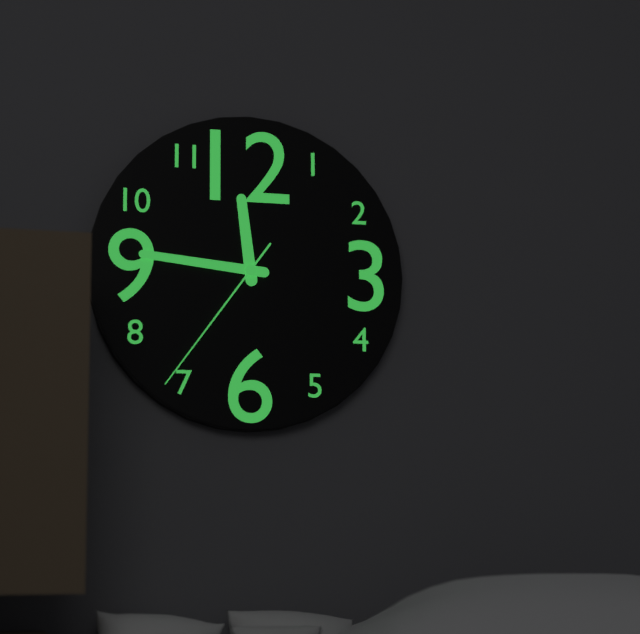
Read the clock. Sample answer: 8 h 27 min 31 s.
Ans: 11 h 46 min 36 s
